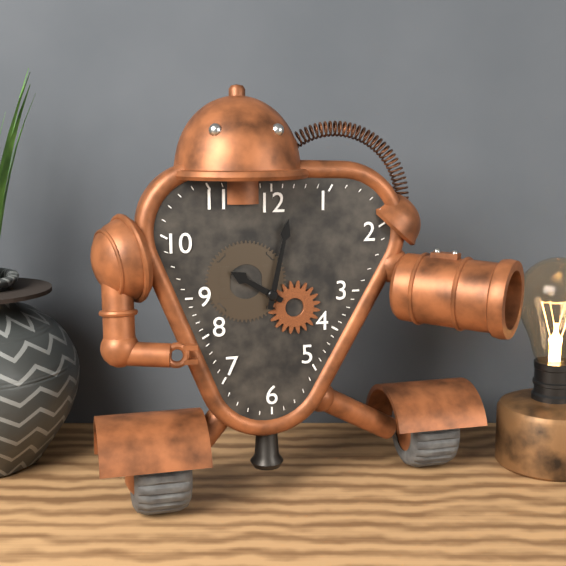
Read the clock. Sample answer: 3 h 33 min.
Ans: 10 h 02 min
